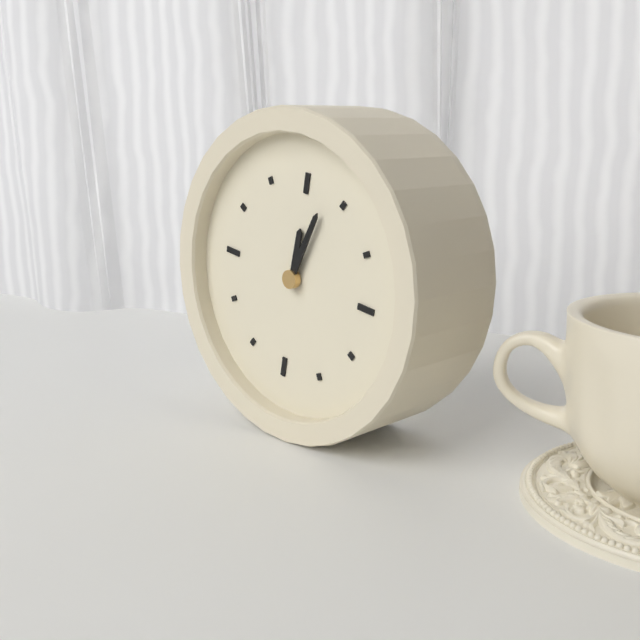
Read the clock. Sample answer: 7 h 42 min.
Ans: 12 h 03 min
